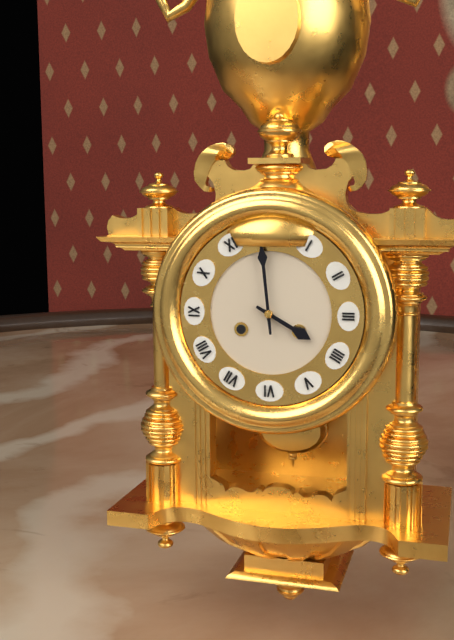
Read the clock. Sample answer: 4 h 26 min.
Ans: 3 h 59 min
